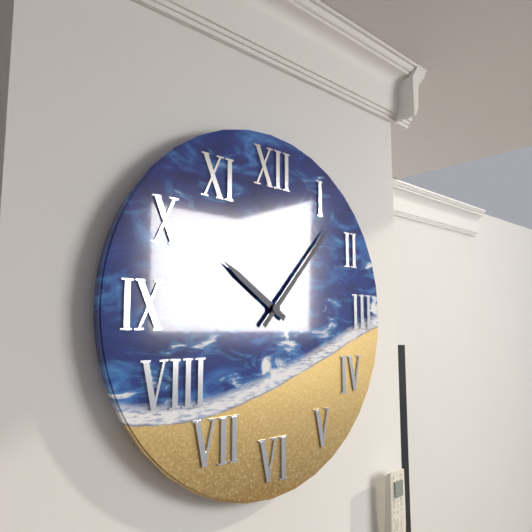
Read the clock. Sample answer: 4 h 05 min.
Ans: 10 h 07 min
